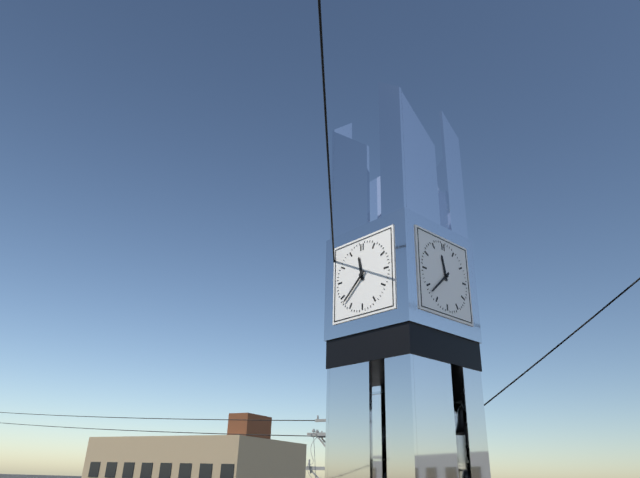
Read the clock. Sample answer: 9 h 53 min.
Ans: 11 h 38 min
